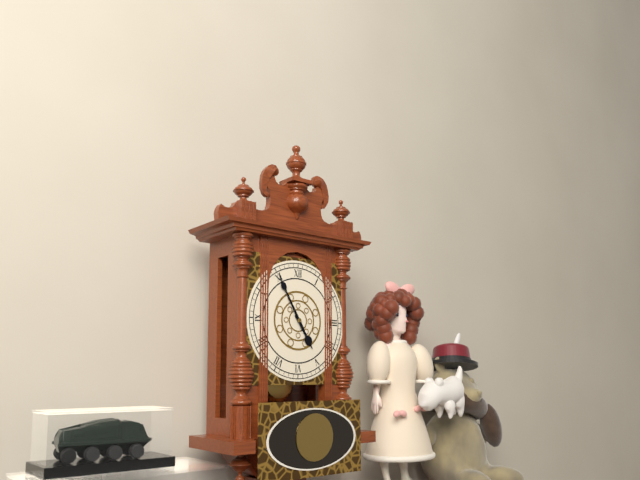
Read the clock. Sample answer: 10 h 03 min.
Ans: 4 h 55 min
